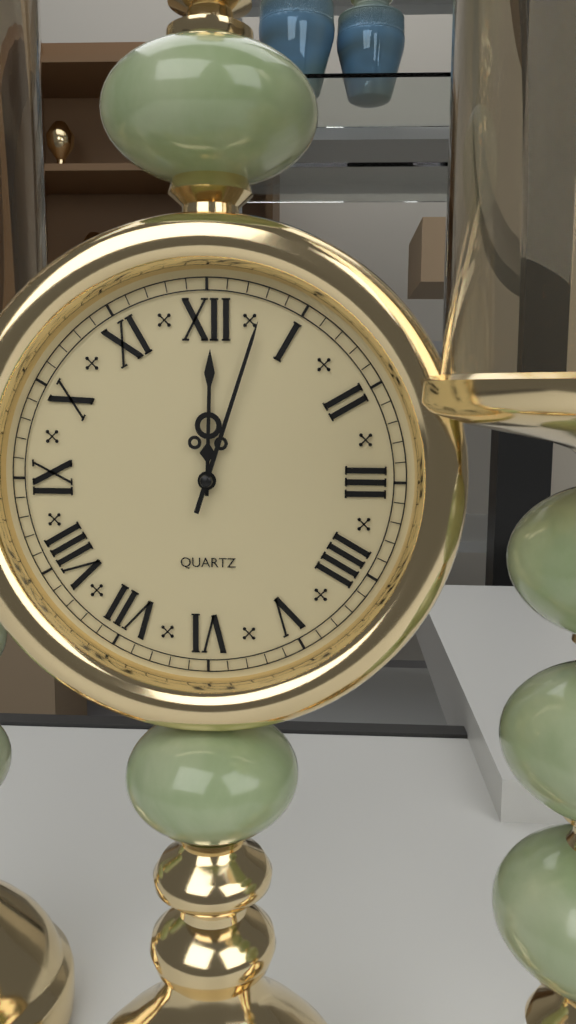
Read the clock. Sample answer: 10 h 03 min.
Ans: 12 h 03 min
